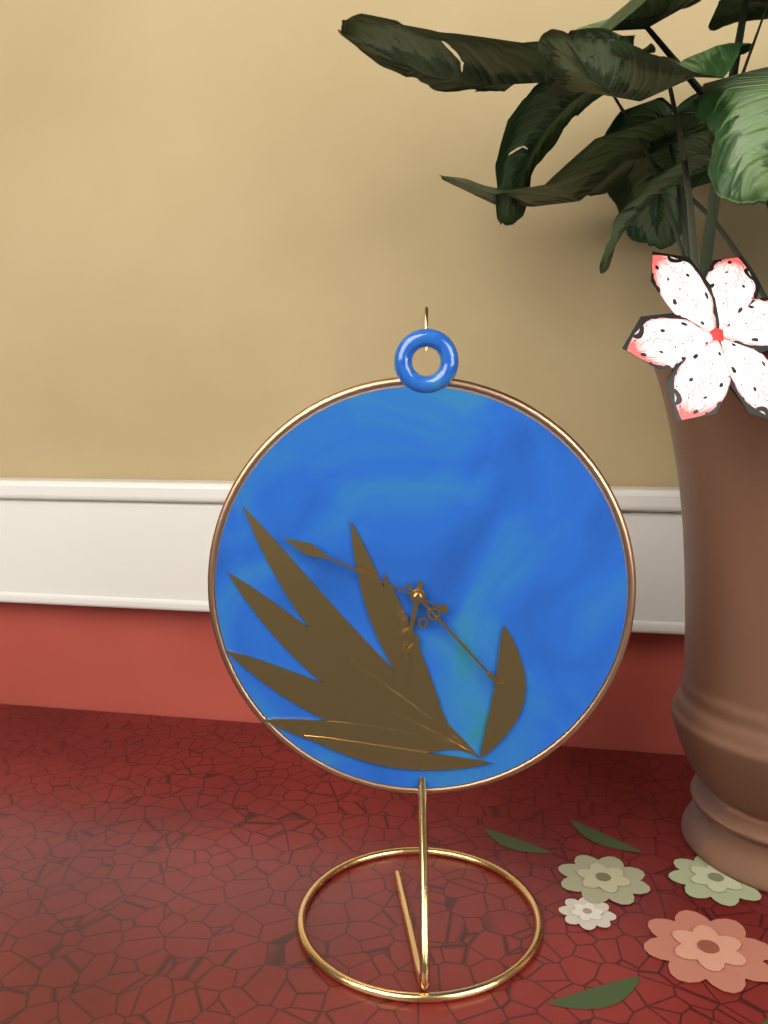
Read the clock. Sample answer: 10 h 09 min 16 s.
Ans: 6 h 23 min 49 s
